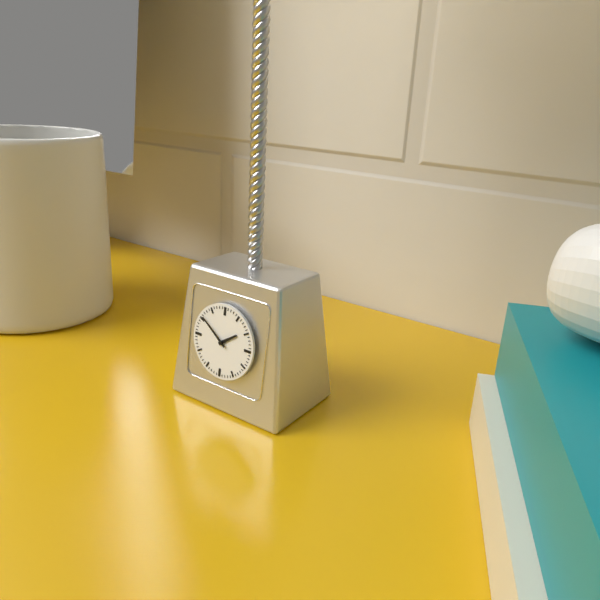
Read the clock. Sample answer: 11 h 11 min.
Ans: 1 h 51 min
